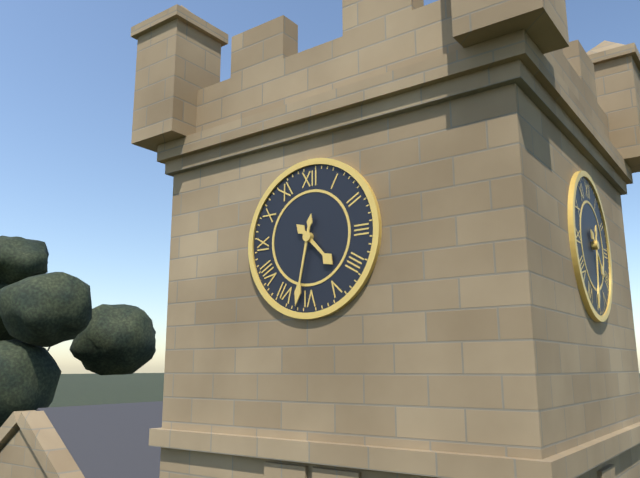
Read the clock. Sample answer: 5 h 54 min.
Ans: 4 h 32 min
